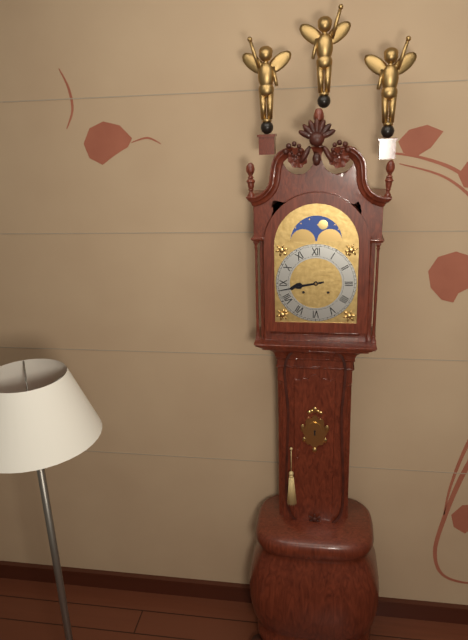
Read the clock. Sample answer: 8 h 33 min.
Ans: 8 h 43 min
